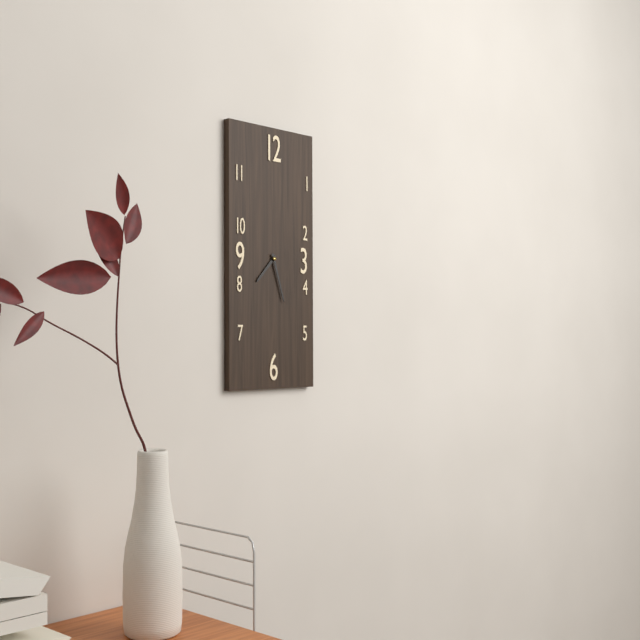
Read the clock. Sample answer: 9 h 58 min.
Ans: 7 h 27 min
